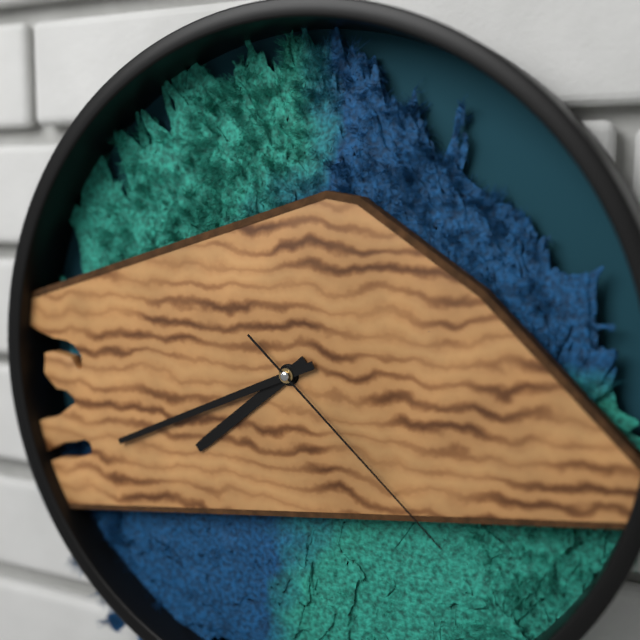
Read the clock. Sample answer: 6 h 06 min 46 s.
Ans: 7 h 41 min 22 s
